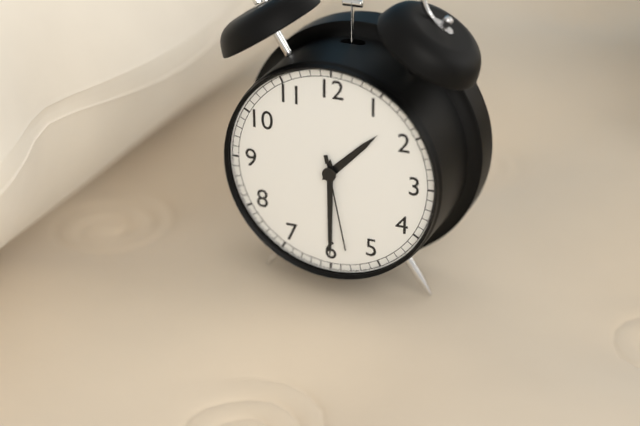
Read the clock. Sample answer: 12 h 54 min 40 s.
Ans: 1 h 30 min 28 s
